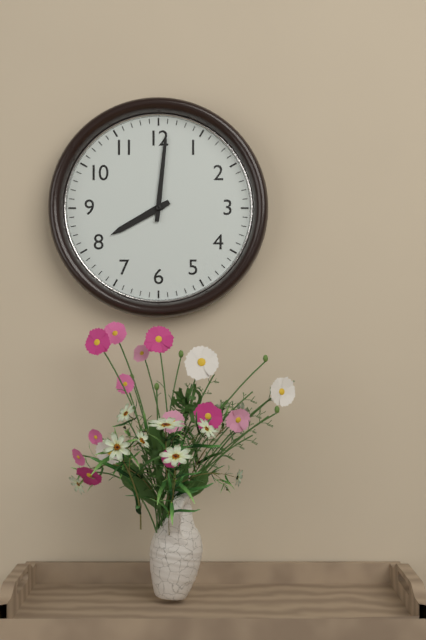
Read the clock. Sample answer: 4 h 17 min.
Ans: 8 h 01 min
